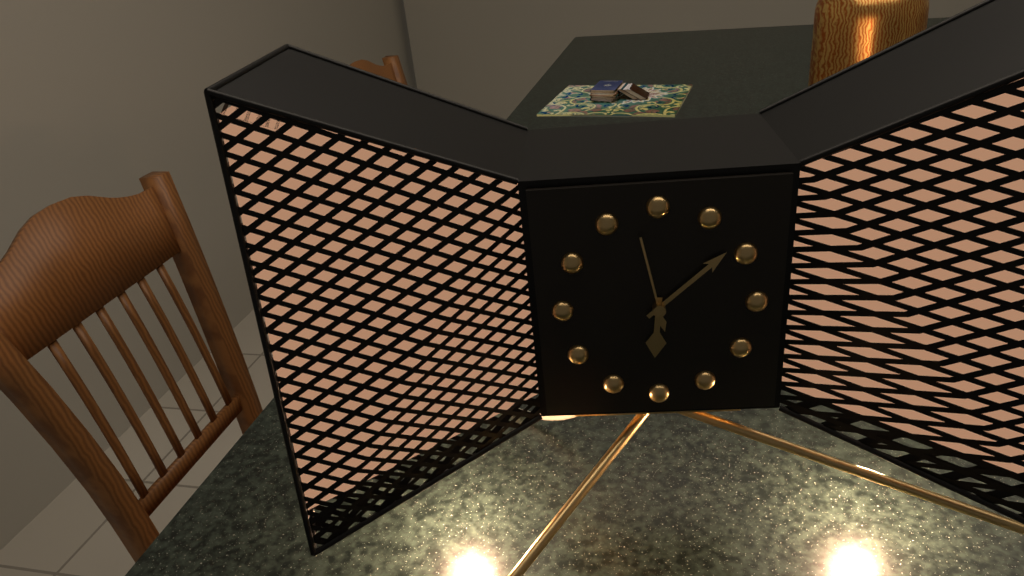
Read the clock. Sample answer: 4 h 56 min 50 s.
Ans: 6 h 08 min 58 s
